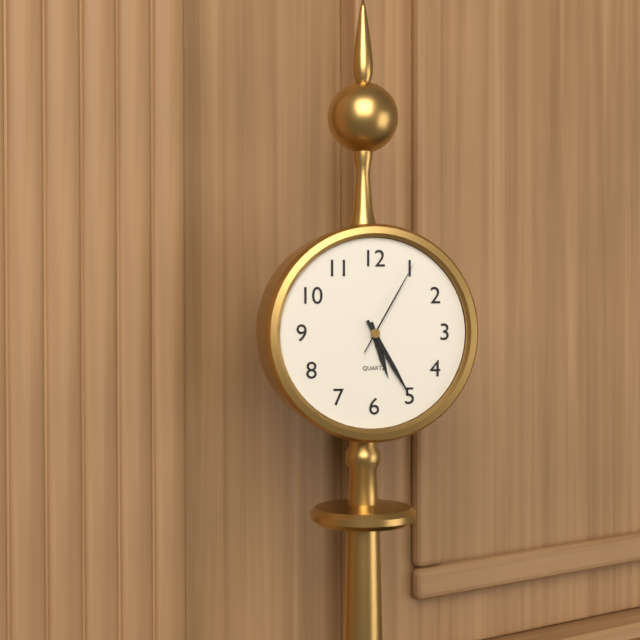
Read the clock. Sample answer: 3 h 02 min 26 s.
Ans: 5 h 25 min 05 s
